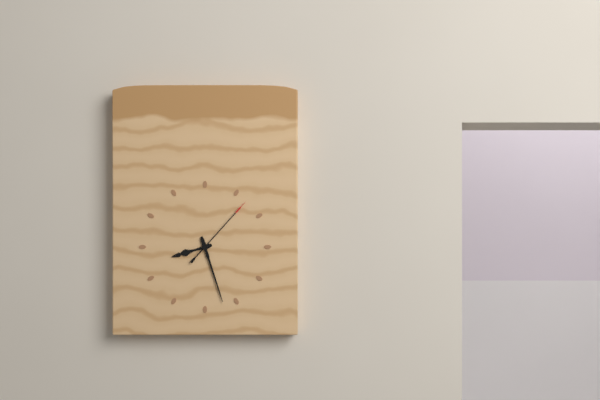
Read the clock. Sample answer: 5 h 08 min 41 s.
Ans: 8 h 27 min 07 s
